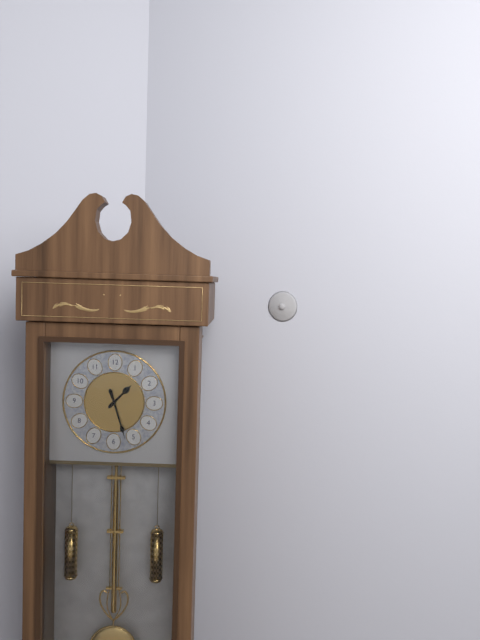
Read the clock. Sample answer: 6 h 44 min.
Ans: 1 h 27 min
